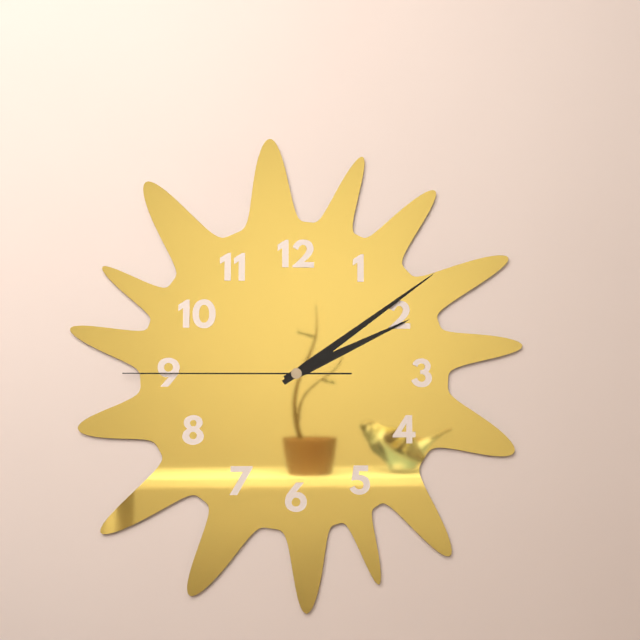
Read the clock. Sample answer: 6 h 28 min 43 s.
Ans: 2 h 09 min 45 s
